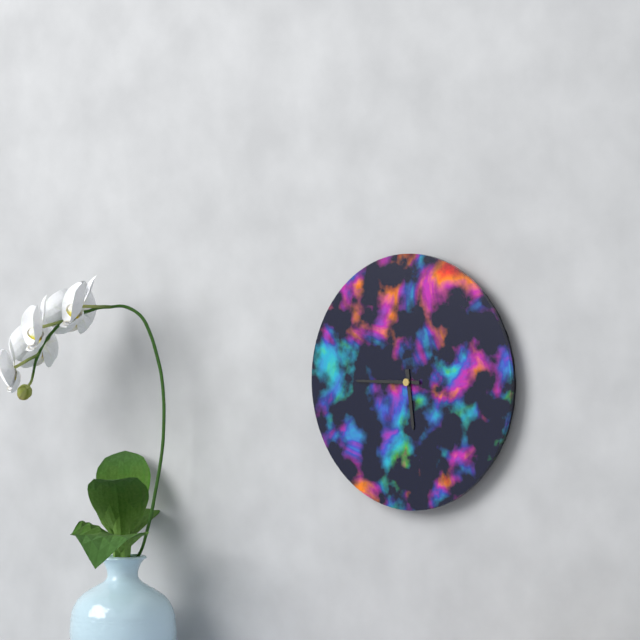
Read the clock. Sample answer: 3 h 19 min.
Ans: 5 h 45 min
